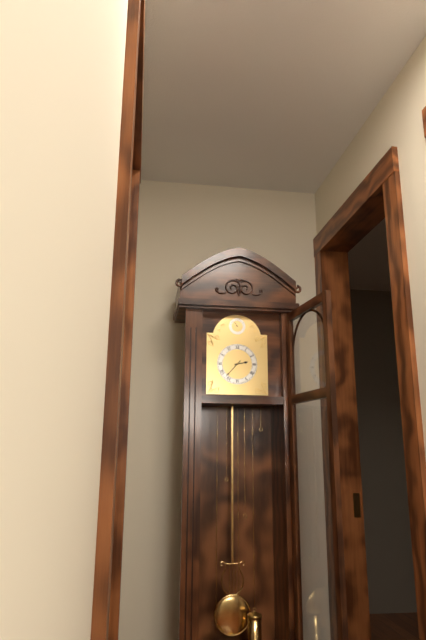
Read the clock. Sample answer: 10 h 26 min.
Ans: 2 h 37 min
